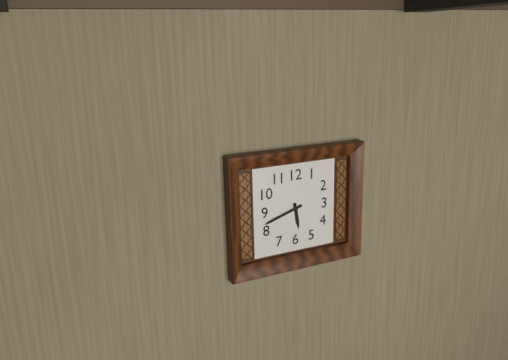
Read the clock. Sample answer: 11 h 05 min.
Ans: 5 h 42 min
